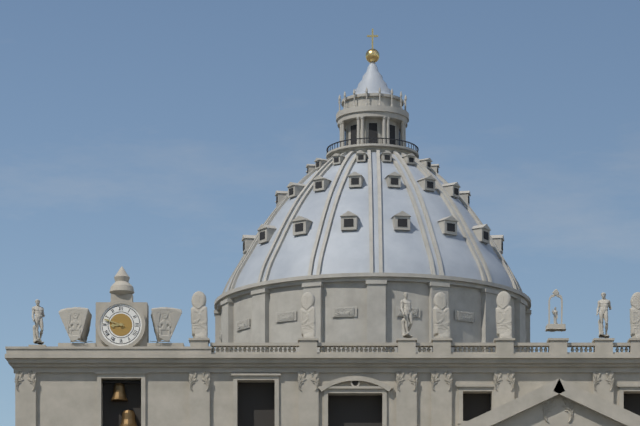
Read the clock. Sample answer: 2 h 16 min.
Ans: 8 h 48 min
